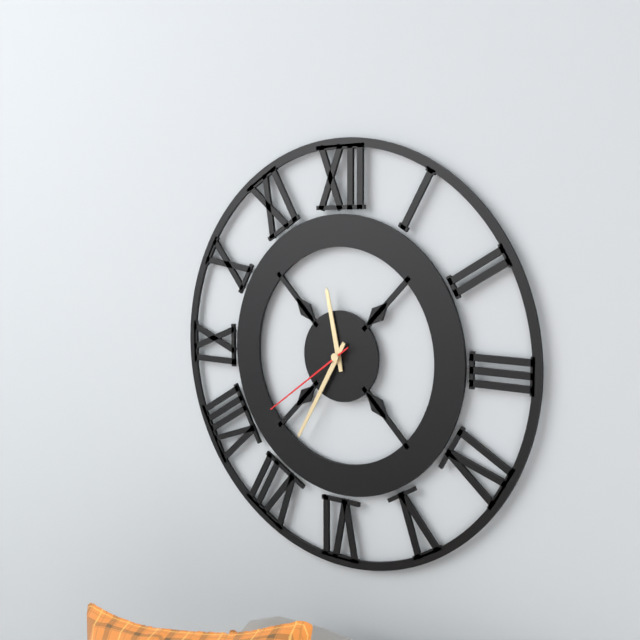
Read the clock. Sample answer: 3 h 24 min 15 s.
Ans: 11 h 35 min 39 s
